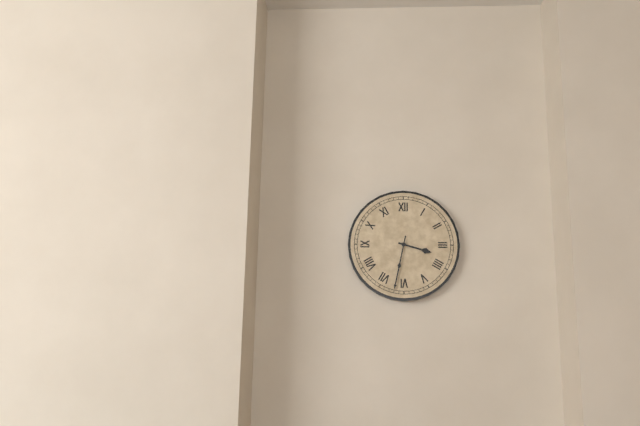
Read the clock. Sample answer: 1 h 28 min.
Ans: 3 h 32 min
